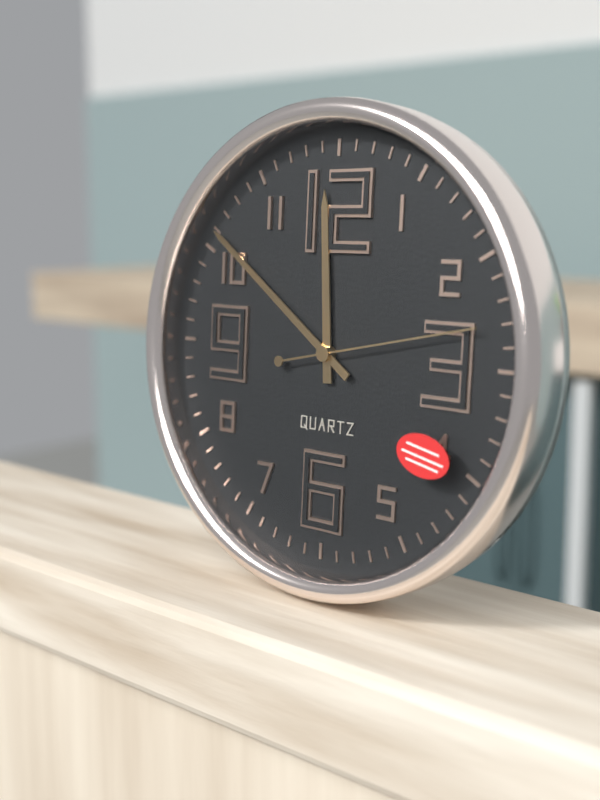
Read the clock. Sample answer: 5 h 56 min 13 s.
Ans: 11 h 51 min 13 s
